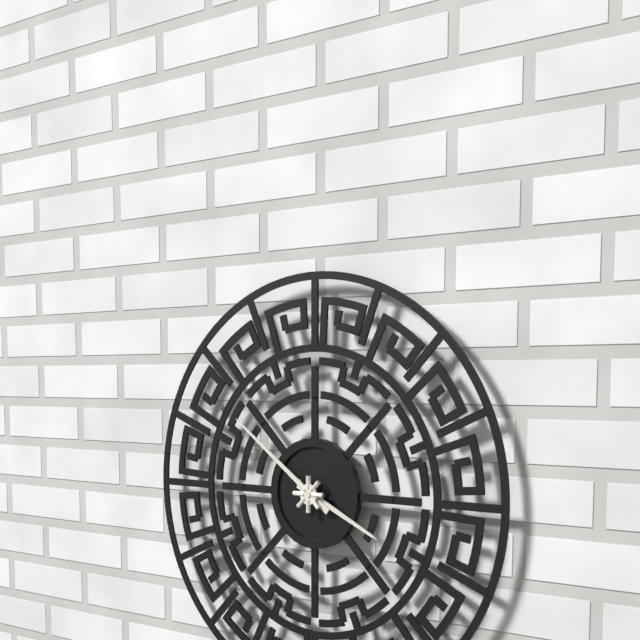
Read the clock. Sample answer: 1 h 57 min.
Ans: 3 h 51 min
